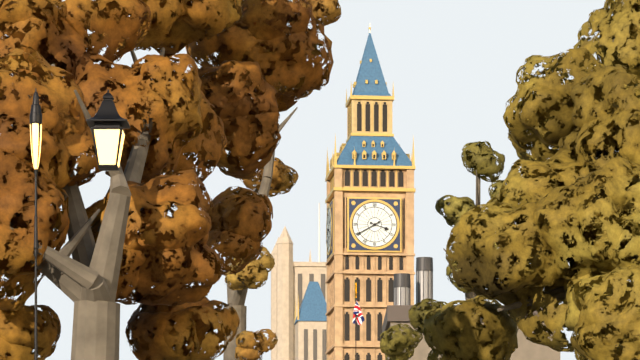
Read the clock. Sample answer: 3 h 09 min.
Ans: 3 h 40 min
